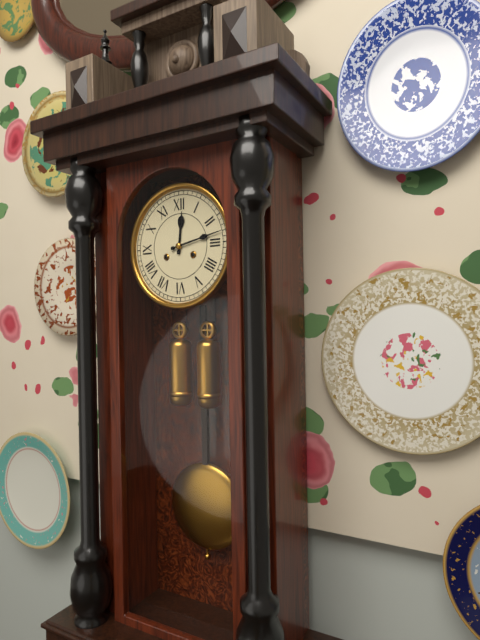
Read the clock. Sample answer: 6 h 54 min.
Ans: 12 h 13 min
